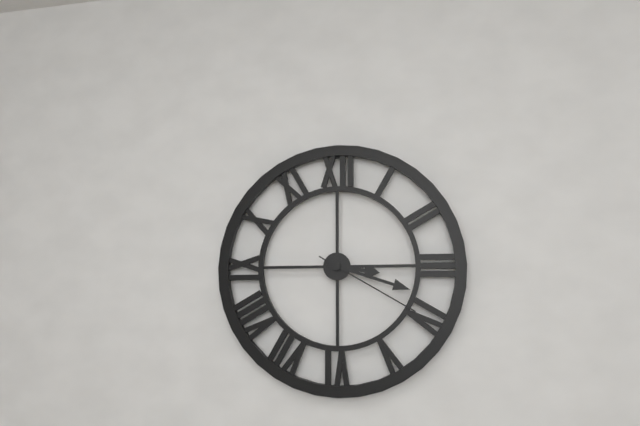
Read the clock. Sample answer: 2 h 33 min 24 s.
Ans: 3 h 18 min 20 s
